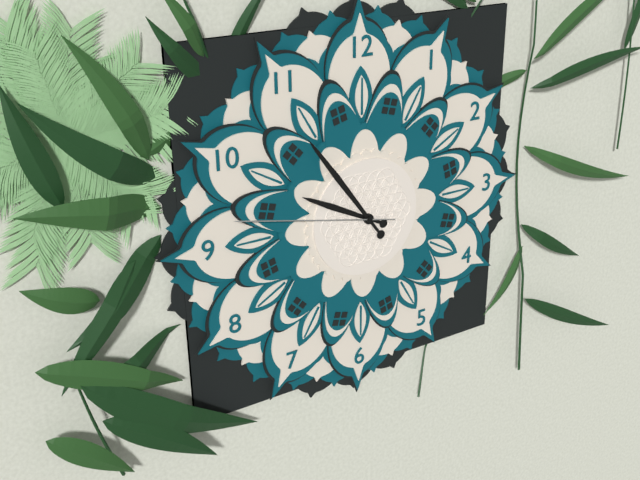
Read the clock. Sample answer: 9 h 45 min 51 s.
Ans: 9 h 54 min 47 s
